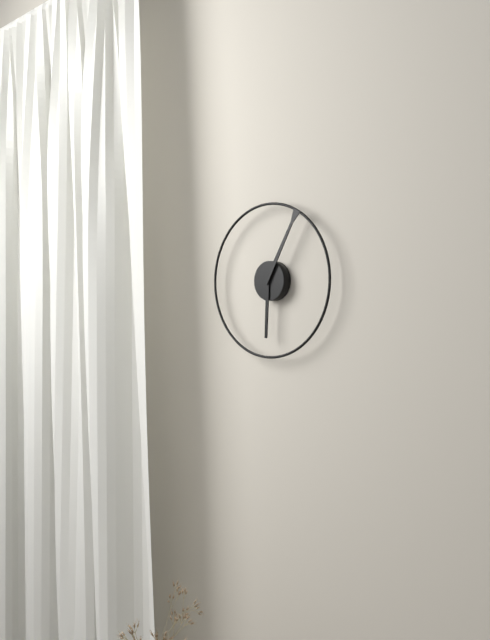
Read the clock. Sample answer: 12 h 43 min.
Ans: 6 h 05 min
